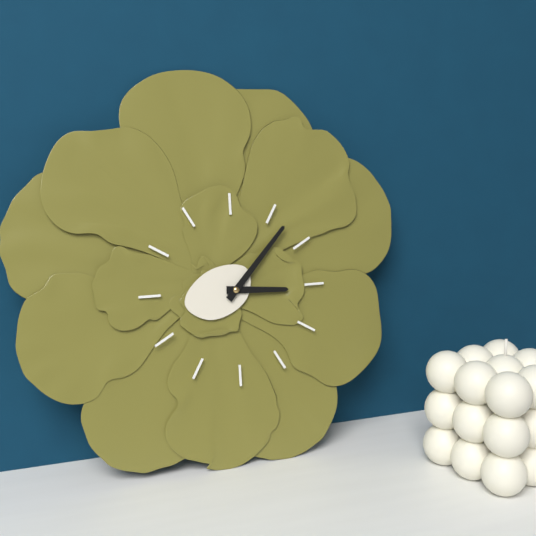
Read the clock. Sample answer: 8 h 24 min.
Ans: 3 h 07 min
